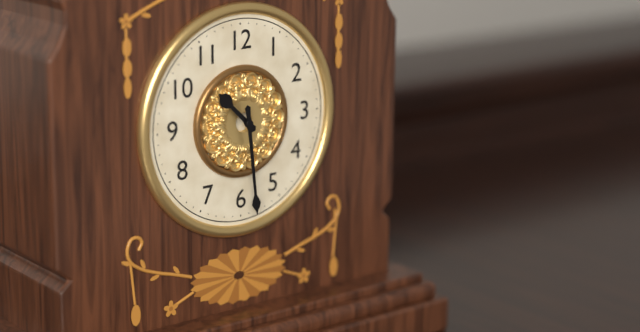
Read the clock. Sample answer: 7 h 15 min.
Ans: 10 h 29 min
